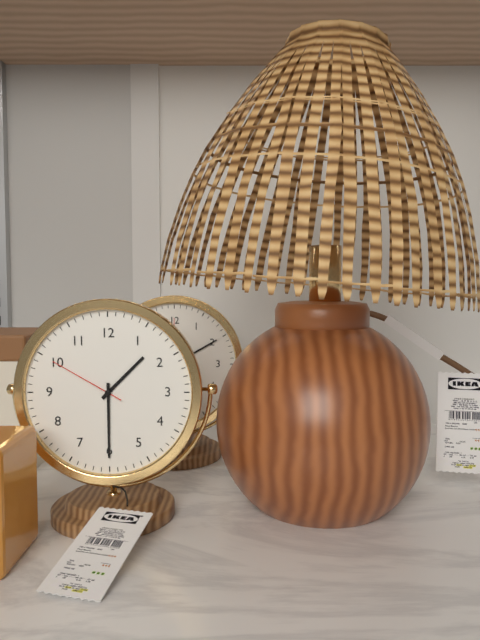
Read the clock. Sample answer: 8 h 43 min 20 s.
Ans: 1 h 30 min 50 s
